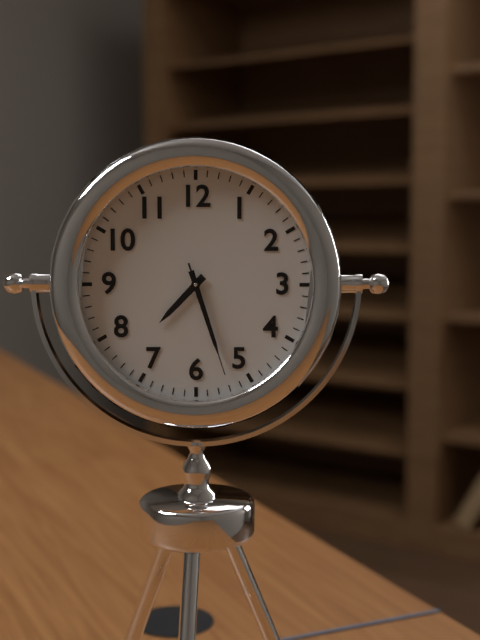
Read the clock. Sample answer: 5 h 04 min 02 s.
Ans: 7 h 27 min 27 s
